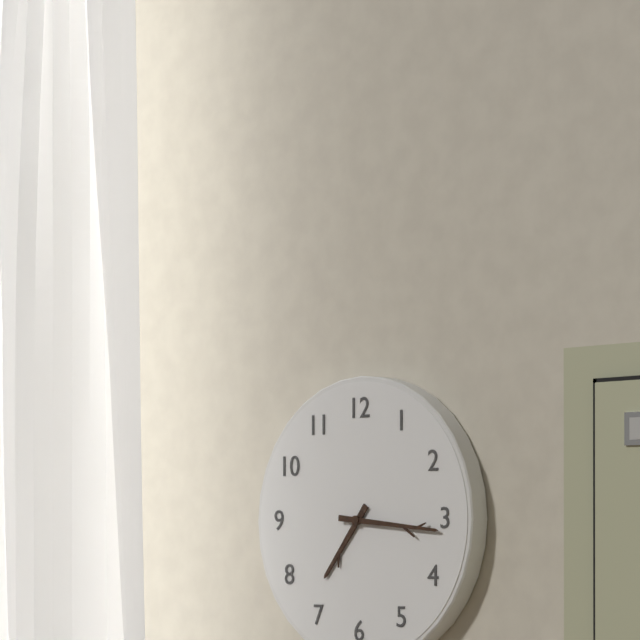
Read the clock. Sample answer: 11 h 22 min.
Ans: 7 h 16 min
